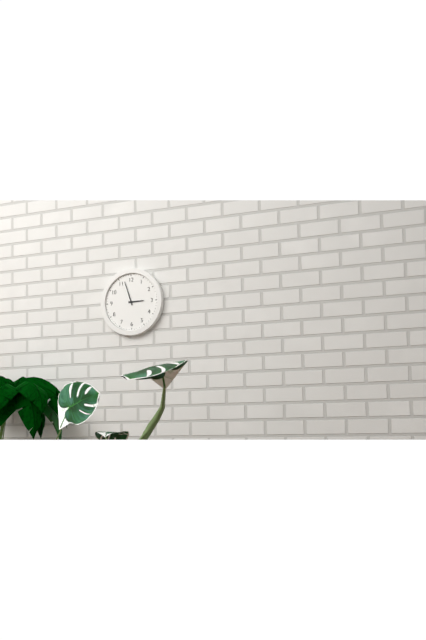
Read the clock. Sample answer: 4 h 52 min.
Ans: 2 h 57 min
